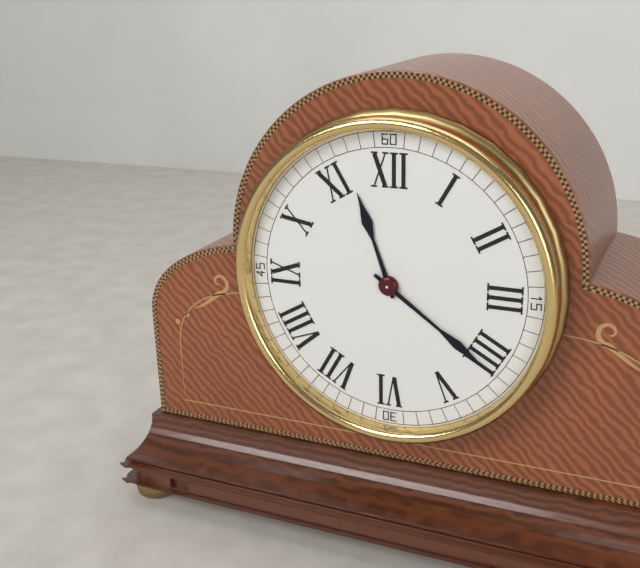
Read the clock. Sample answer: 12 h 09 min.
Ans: 11 h 21 min
